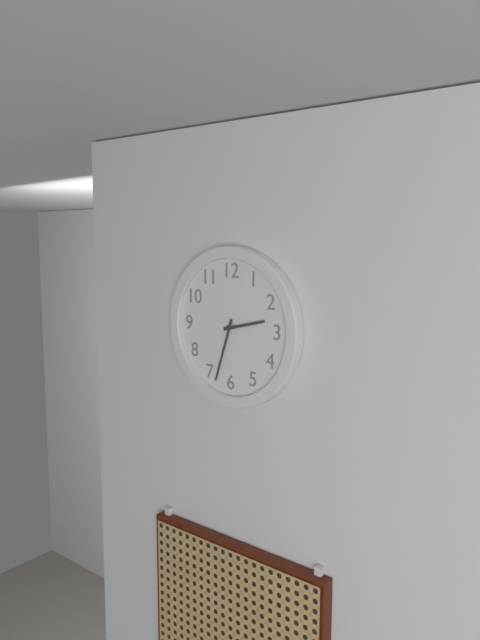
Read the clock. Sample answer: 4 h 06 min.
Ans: 2 h 33 min
